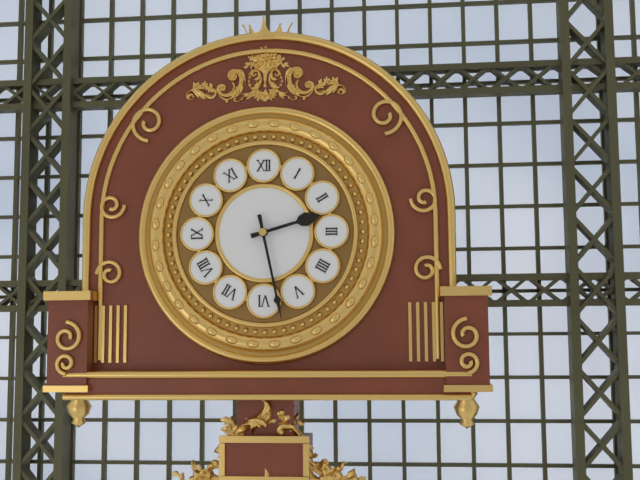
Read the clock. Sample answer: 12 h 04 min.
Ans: 2 h 28 min
